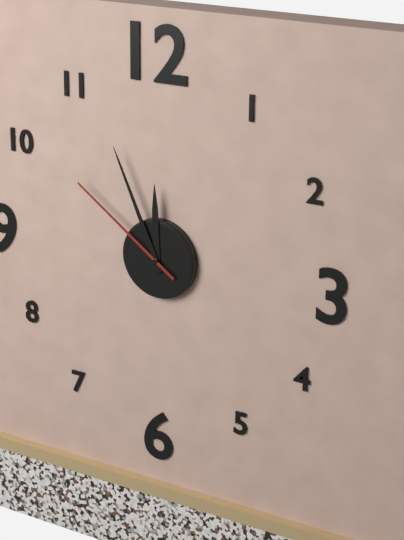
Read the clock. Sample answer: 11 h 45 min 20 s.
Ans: 11 h 56 min 51 s
